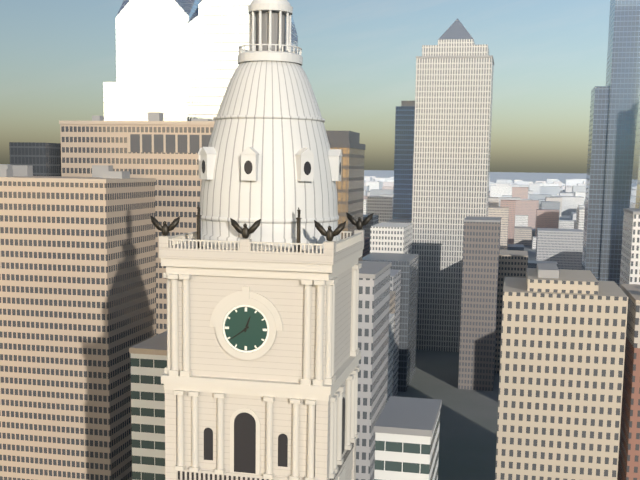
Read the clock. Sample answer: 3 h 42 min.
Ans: 12 h 39 min
